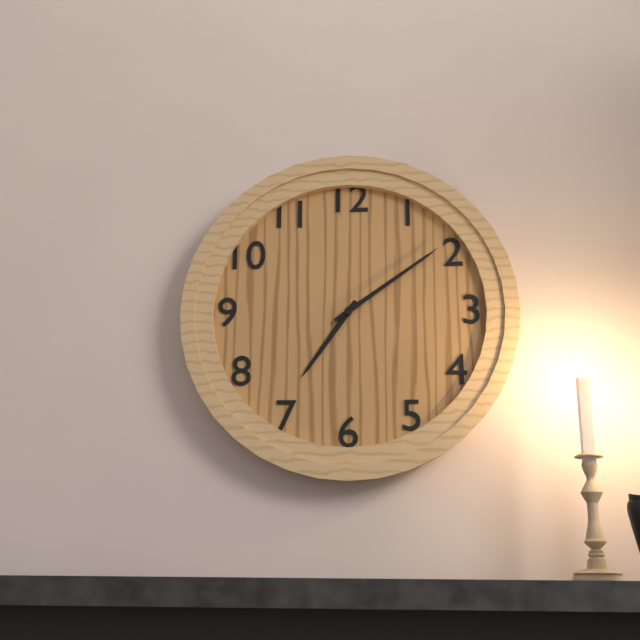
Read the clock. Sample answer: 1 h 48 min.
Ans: 7 h 09 min
